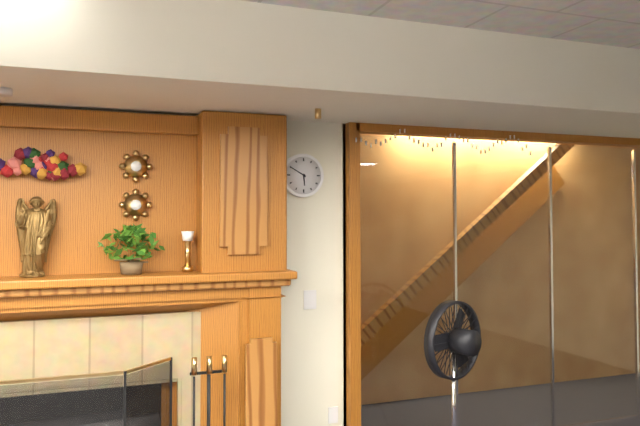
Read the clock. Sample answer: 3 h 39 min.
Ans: 5 h 50 min
